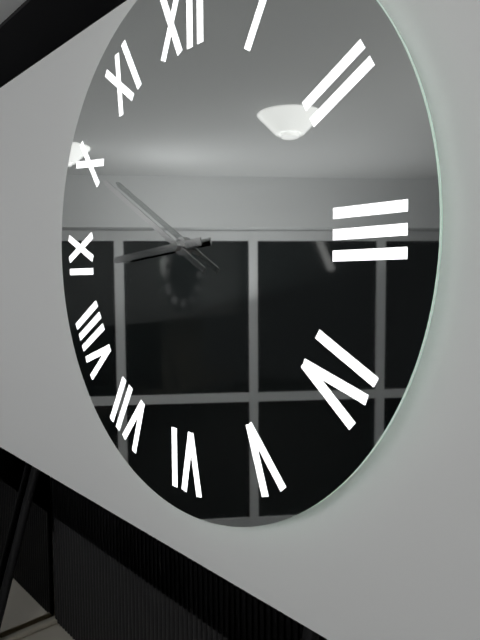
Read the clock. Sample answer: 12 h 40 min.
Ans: 8 h 50 min
